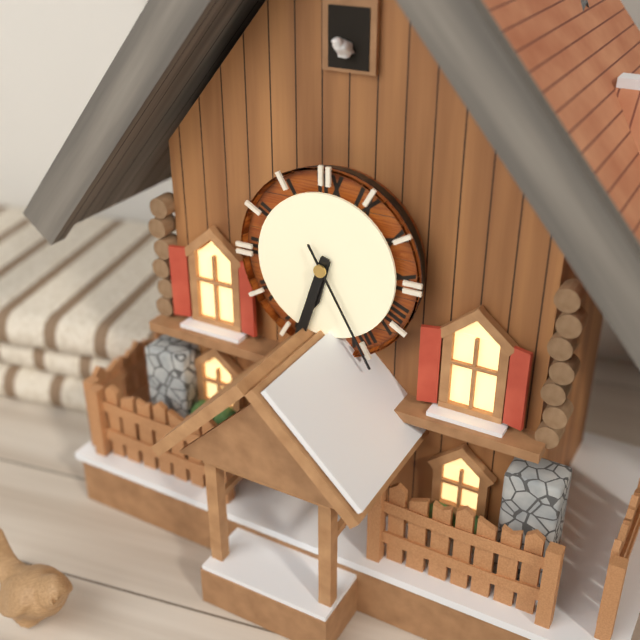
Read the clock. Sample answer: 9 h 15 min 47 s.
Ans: 6 h 33 min 25 s
